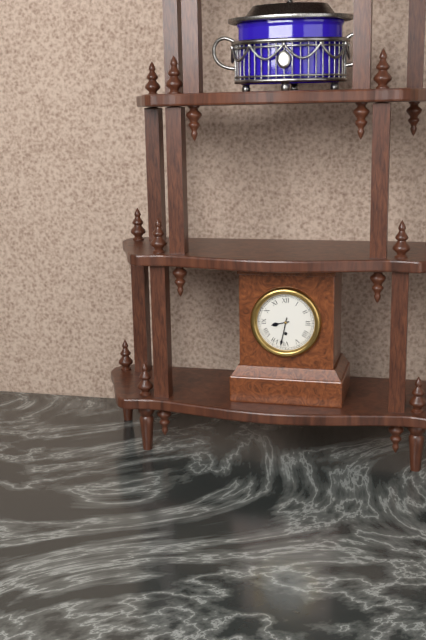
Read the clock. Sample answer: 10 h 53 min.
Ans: 8 h 32 min
